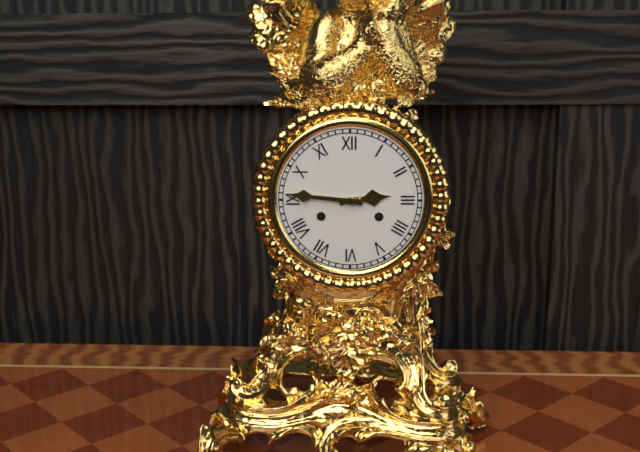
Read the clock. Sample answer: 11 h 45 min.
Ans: 2 h 46 min
